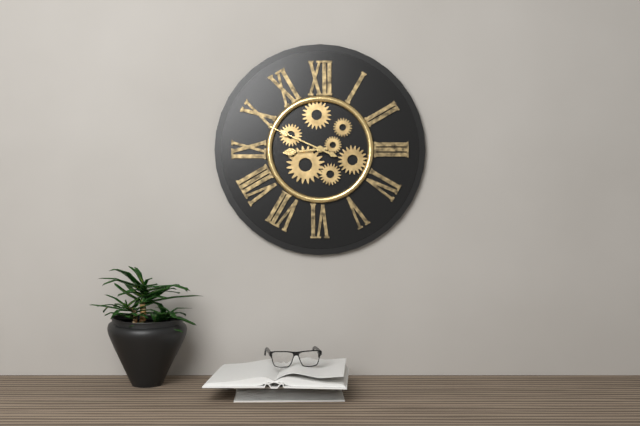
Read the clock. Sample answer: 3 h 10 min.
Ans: 8 h 49 min
